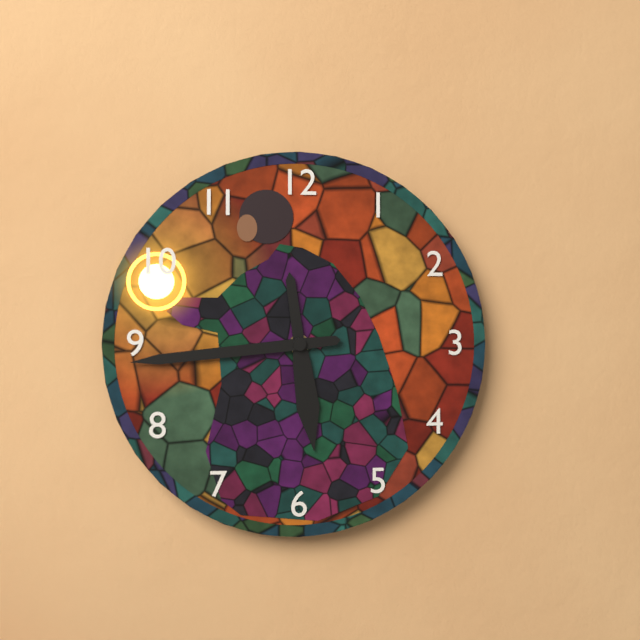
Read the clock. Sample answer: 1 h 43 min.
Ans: 5 h 44 min
